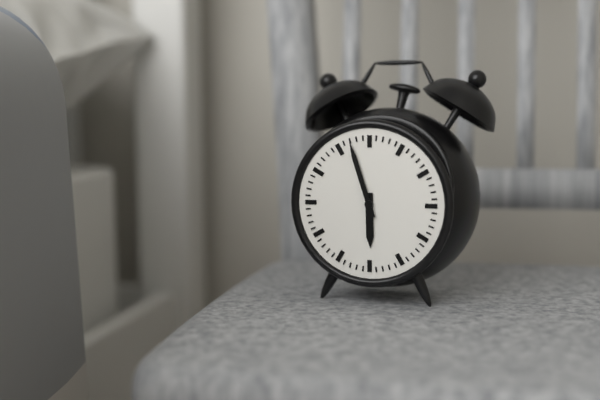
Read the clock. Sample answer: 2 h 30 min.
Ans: 5 h 57 min
